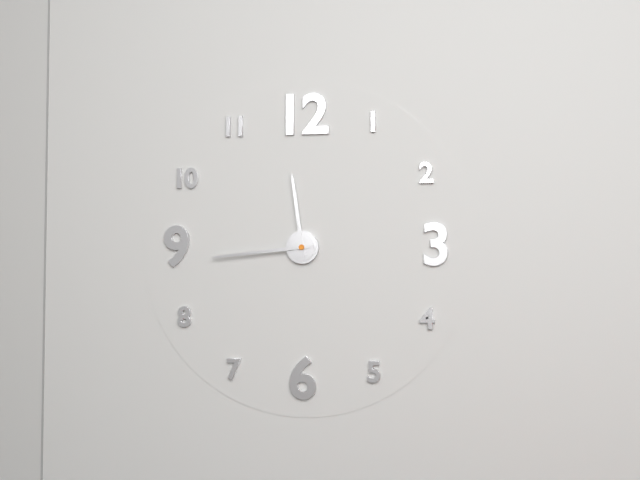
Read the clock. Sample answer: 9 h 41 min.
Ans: 11 h 44 min
